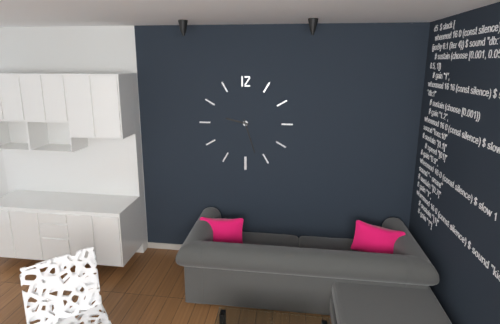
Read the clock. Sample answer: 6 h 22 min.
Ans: 9 h 27 min
